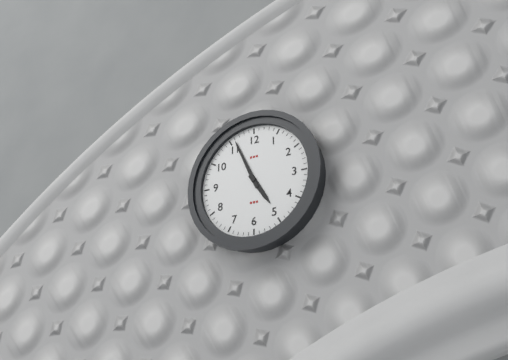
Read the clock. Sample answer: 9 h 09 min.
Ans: 4 h 56 min
